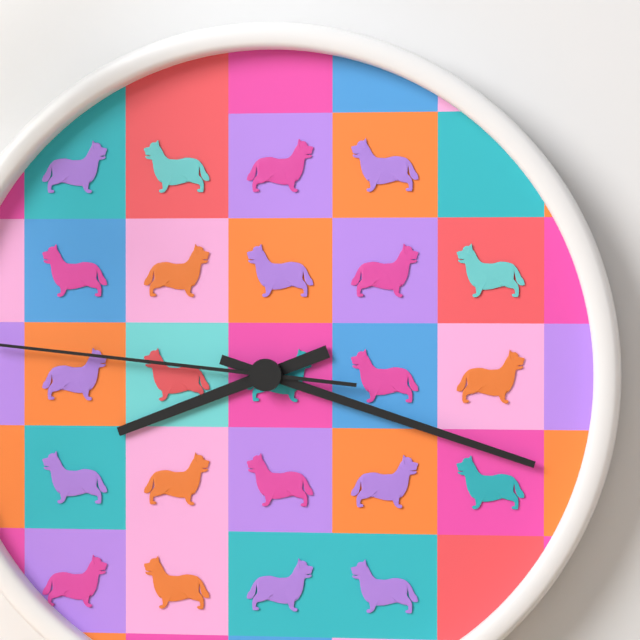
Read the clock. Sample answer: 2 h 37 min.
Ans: 8 h 18 min
